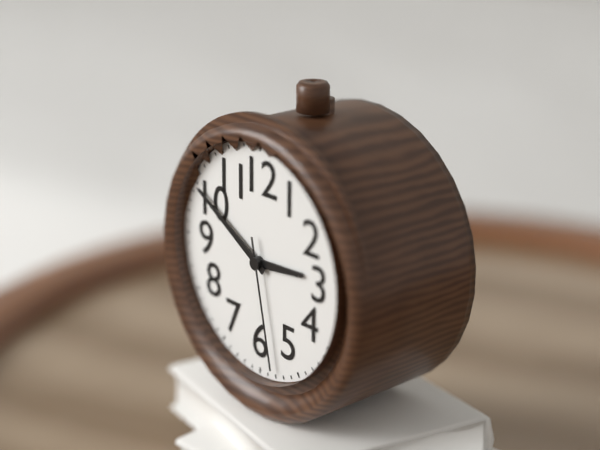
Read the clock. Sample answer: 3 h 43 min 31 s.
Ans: 2 h 50 min 28 s
